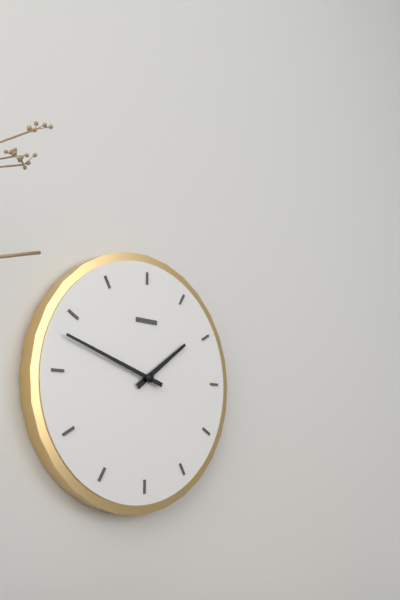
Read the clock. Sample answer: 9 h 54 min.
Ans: 1 h 48 min
